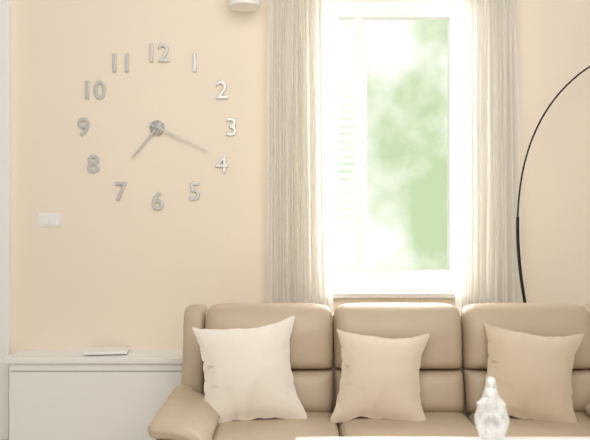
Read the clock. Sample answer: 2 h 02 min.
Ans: 7 h 19 min
